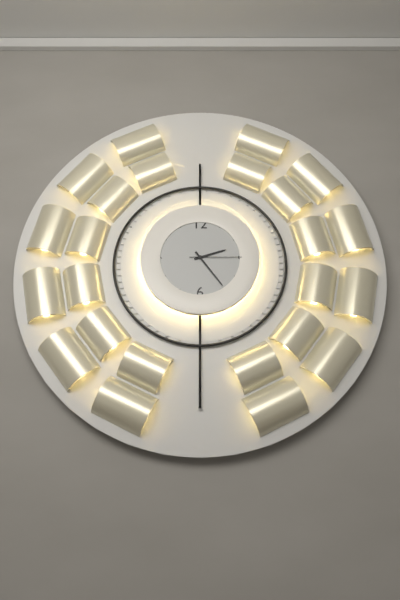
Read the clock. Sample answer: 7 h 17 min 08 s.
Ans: 2 h 24 min 15 s
